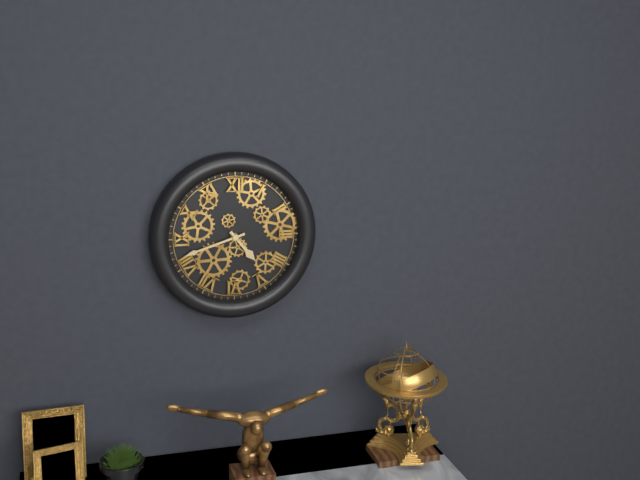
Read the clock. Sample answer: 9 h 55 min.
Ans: 4 h 42 min
